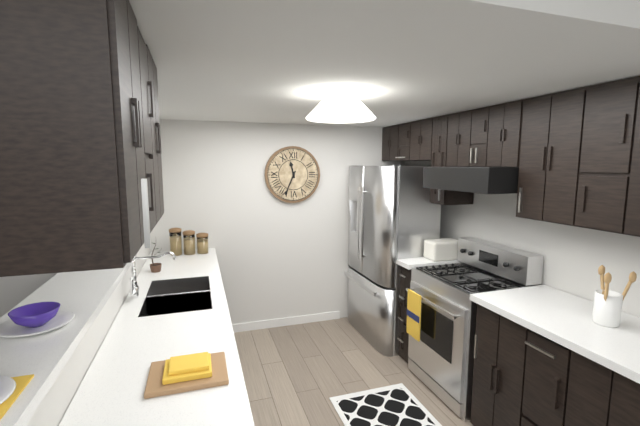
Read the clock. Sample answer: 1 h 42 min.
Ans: 11 h 34 min
